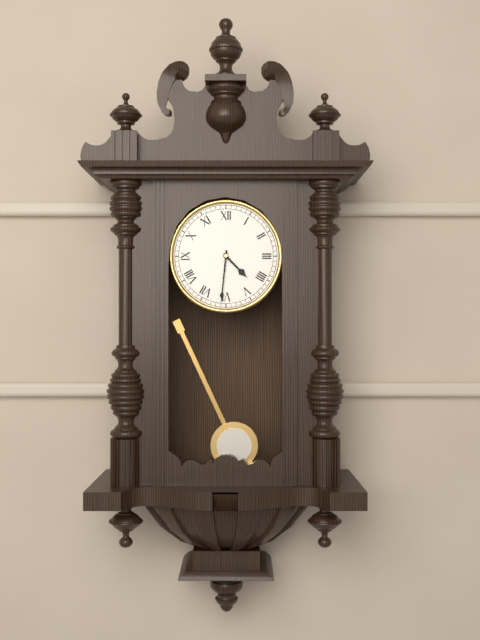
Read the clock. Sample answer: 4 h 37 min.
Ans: 4 h 31 min
